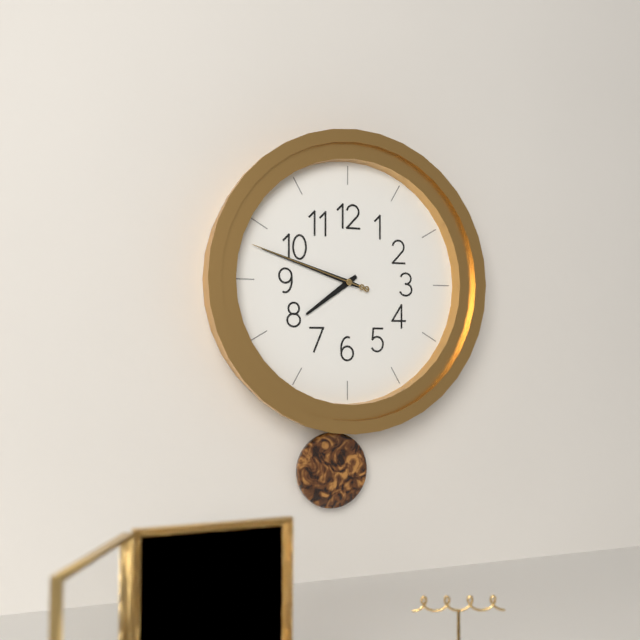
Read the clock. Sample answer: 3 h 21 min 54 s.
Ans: 7 h 48 min 48 s
